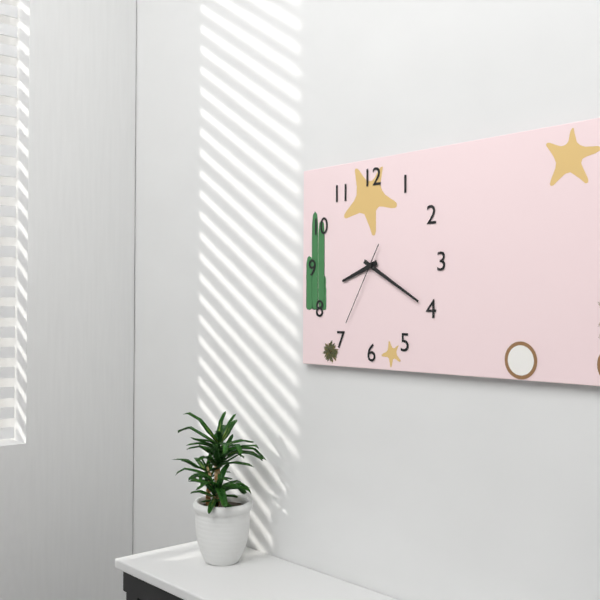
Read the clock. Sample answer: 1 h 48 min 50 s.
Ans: 8 h 20 min 35 s
